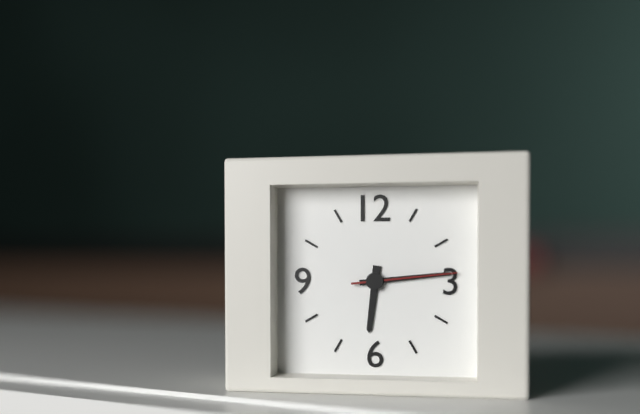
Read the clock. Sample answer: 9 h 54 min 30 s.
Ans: 6 h 14 min 14 s
